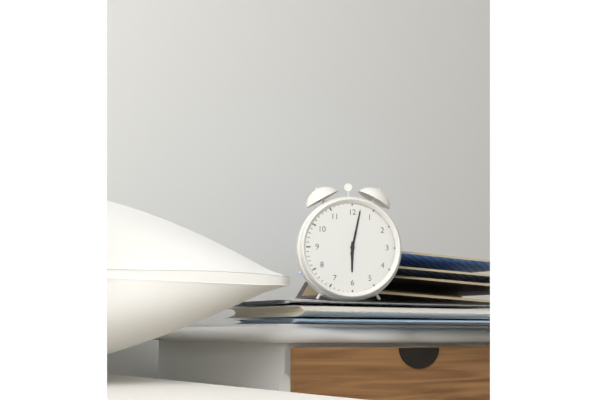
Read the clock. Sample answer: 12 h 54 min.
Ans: 6 h 02 min
